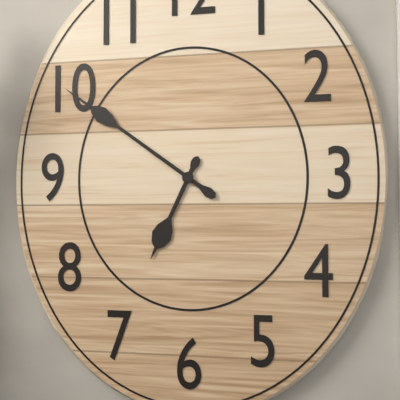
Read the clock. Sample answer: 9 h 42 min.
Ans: 6 h 51 min
